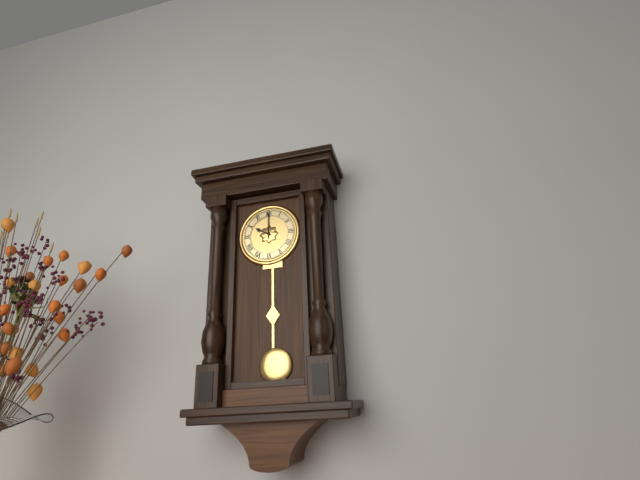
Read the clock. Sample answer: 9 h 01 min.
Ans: 10 h 00 min
